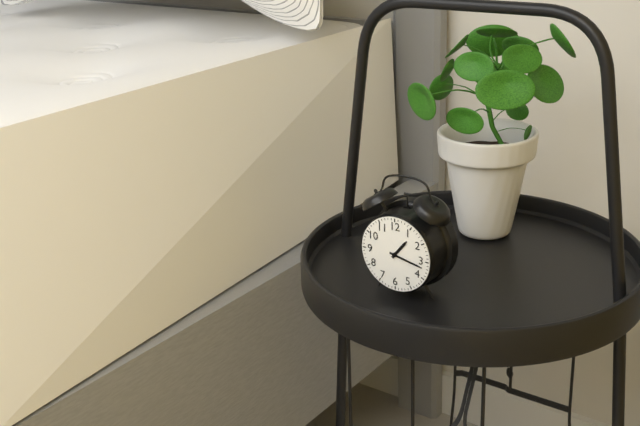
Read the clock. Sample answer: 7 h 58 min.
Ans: 1 h 17 min
